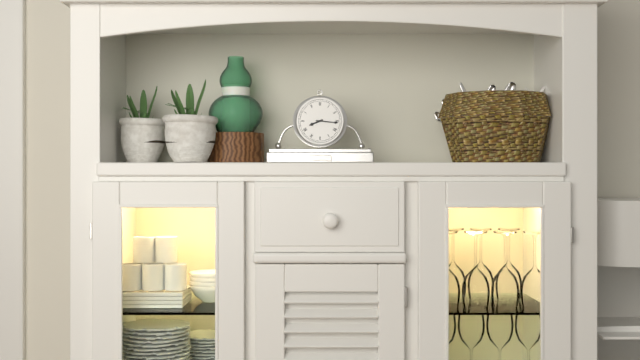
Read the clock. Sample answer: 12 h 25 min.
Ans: 8 h 16 min
